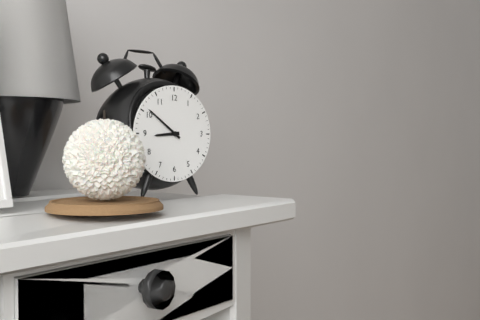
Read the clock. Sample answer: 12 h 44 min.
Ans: 8 h 51 min
